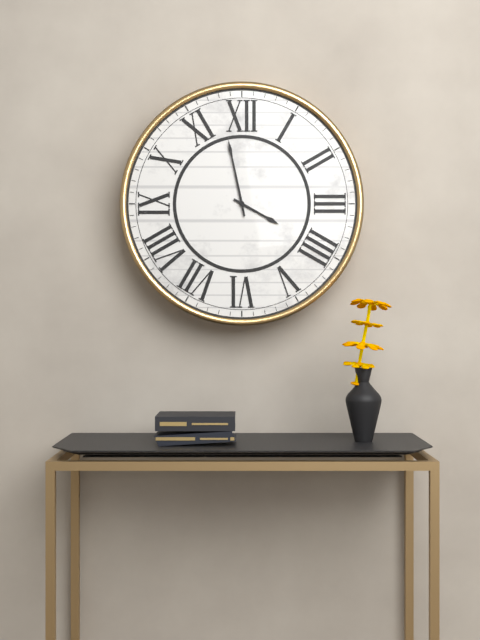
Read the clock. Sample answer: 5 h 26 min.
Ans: 3 h 58 min
